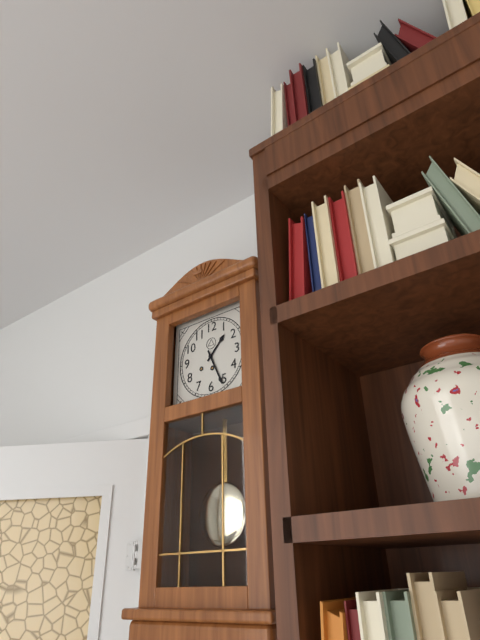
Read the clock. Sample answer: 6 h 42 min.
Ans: 1 h 26 min
